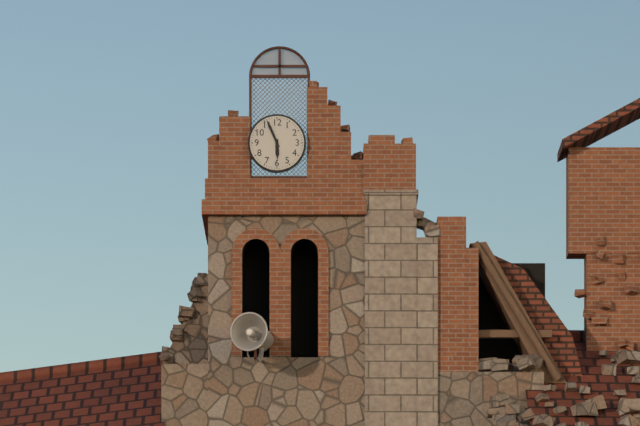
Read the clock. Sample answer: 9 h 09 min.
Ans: 5 h 56 min
